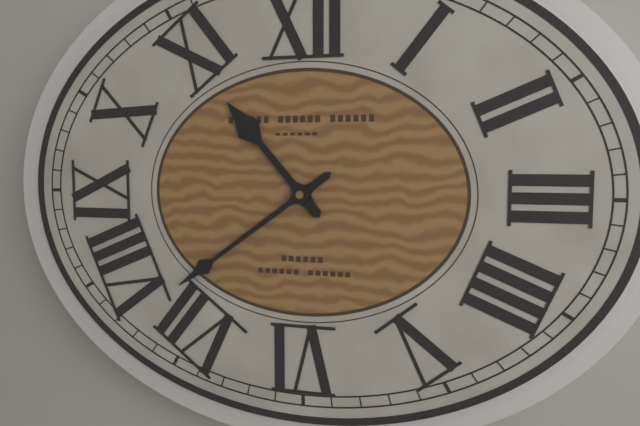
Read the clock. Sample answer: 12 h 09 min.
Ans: 10 h 39 min
